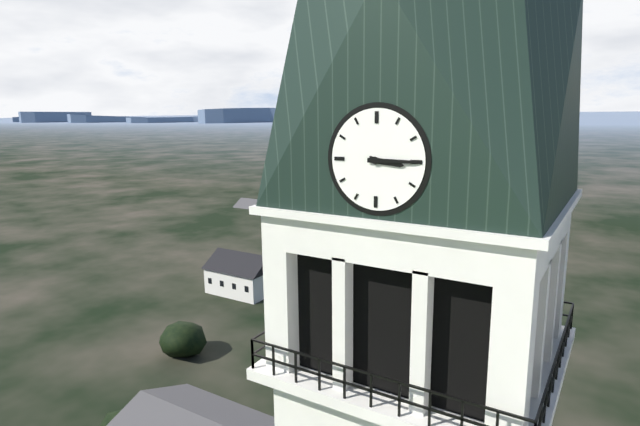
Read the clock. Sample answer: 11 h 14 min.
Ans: 3 h 15 min
